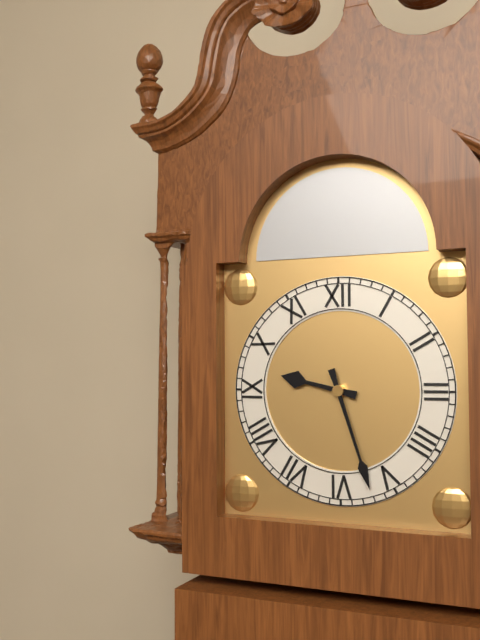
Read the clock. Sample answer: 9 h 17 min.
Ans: 9 h 27 min
